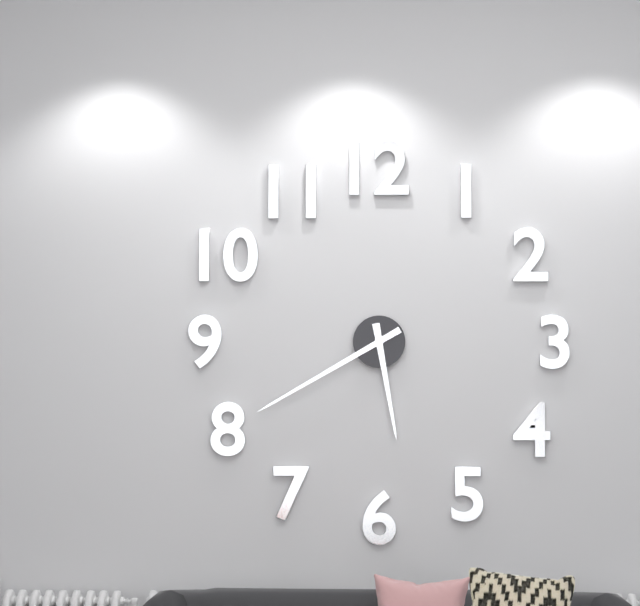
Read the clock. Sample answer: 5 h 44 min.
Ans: 5 h 40 min
